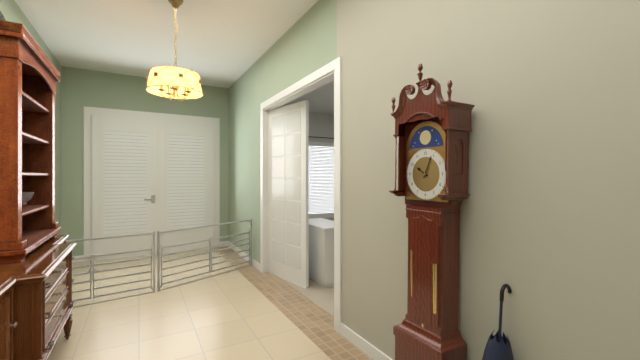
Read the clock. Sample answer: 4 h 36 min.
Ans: 10 h 04 min
